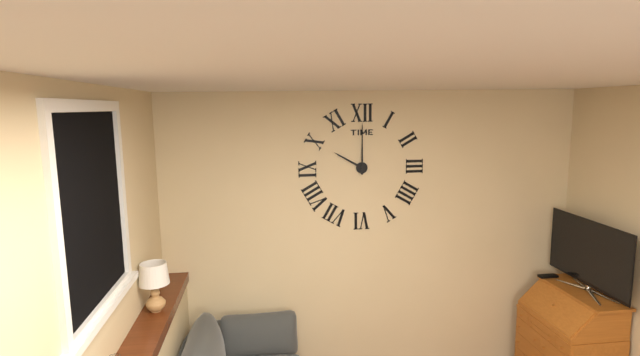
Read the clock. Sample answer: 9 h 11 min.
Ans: 10 h 00 min
